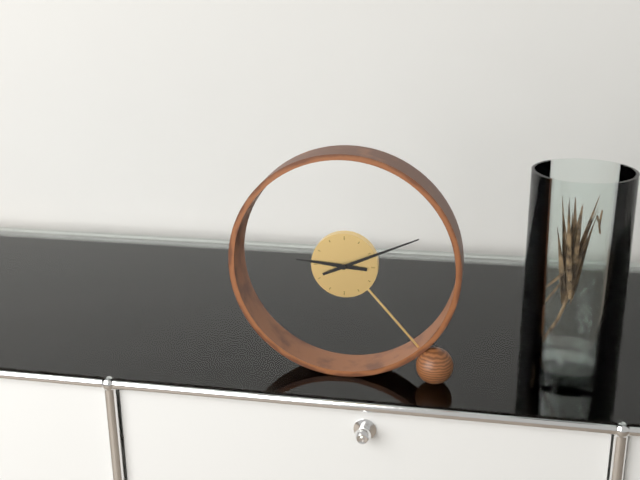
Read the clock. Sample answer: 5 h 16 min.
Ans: 9 h 11 min
